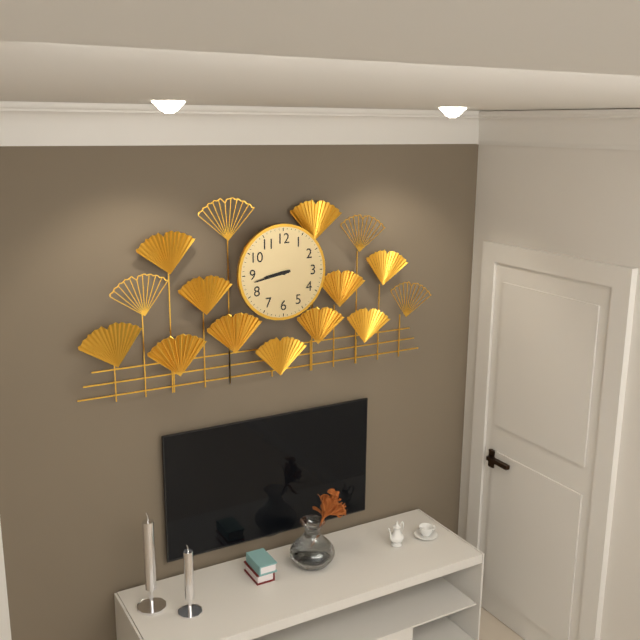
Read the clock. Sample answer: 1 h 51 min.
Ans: 8 h 43 min
